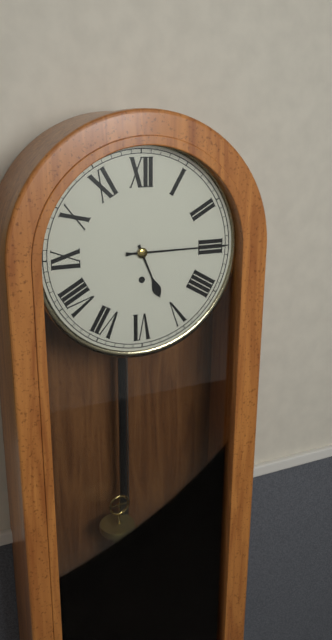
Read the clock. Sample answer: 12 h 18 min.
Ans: 5 h 15 min
